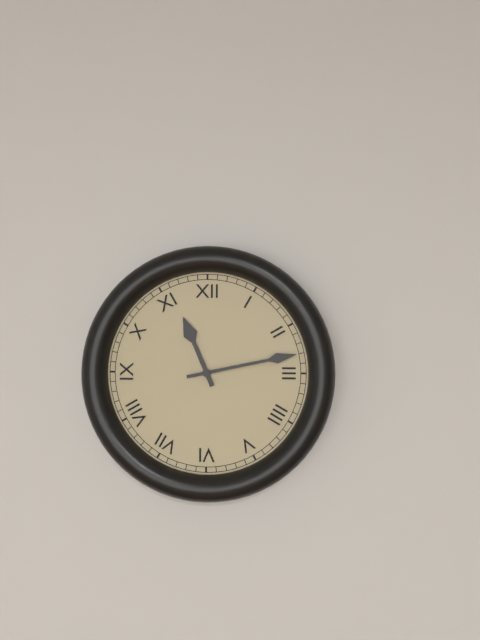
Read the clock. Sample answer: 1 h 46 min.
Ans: 11 h 13 min
